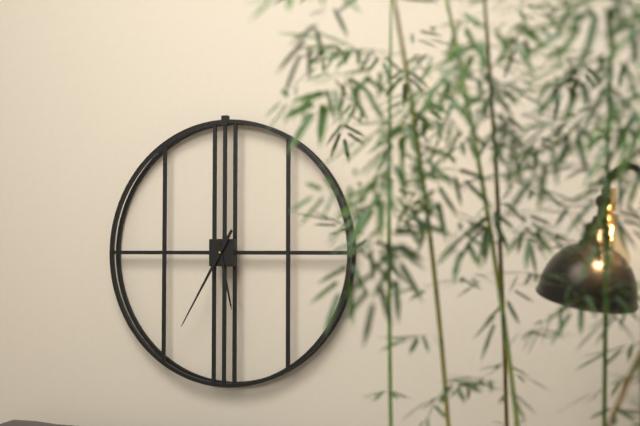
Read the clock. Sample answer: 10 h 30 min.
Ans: 5 h 35 min
